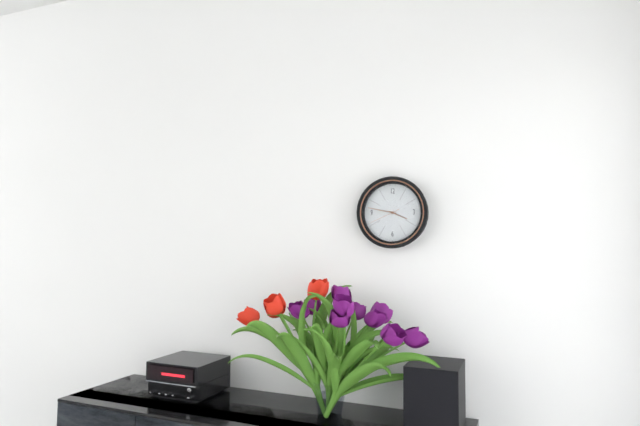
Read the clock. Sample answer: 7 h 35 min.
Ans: 3 h 47 min
